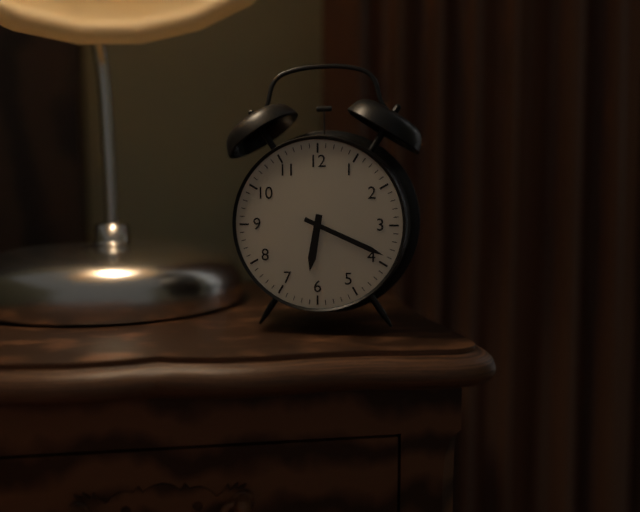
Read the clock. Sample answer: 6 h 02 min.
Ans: 6 h 19 min
